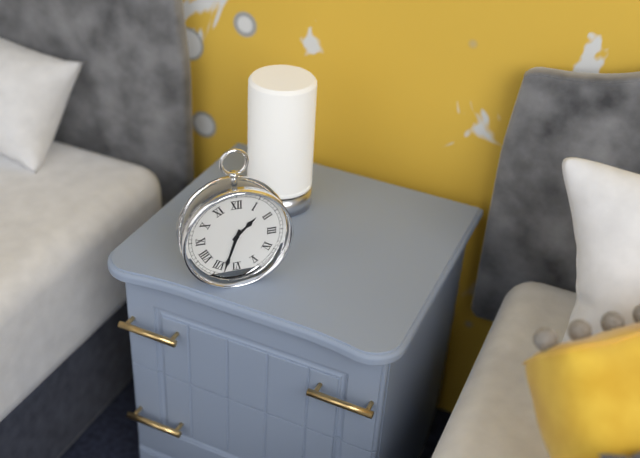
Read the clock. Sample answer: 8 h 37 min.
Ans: 1 h 33 min
